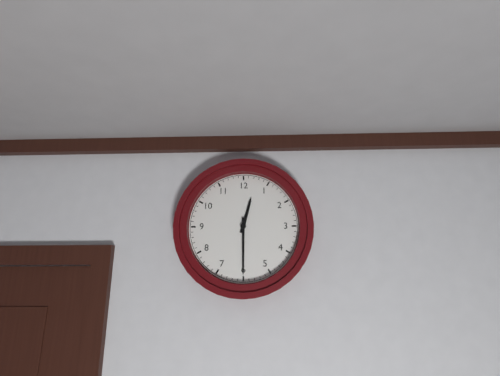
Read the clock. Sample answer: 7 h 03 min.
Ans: 12 h 30 min
